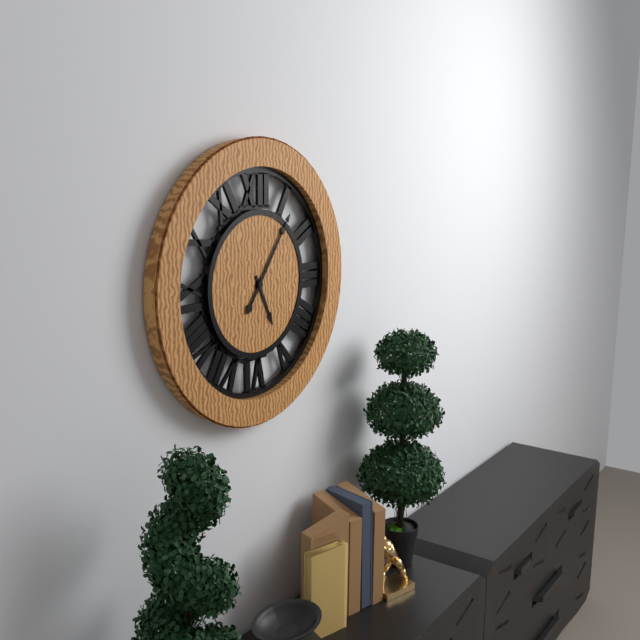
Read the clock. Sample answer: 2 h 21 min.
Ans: 5 h 06 min
